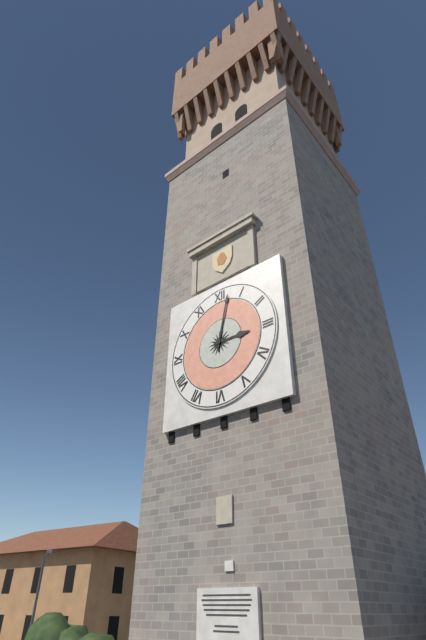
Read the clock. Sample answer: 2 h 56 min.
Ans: 3 h 02 min
